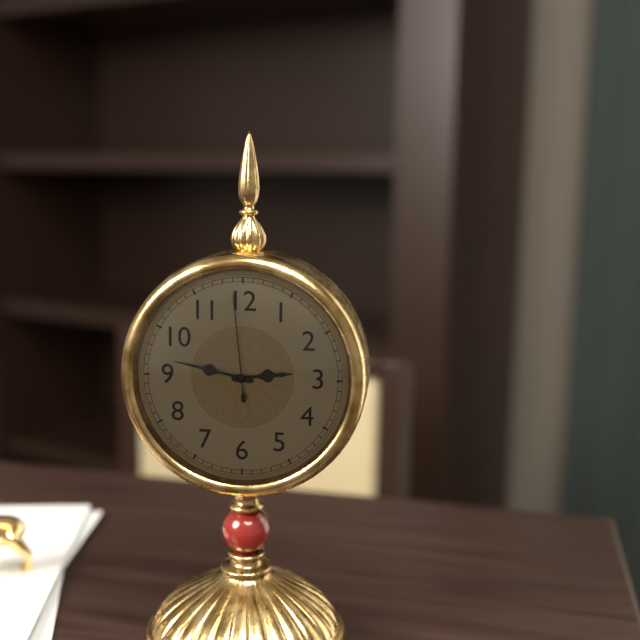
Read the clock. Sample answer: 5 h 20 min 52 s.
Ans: 2 h 47 min 59 s
